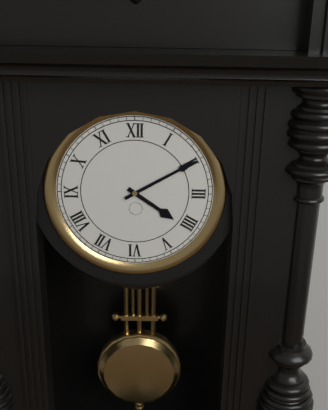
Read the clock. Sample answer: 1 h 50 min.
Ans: 4 h 10 min
